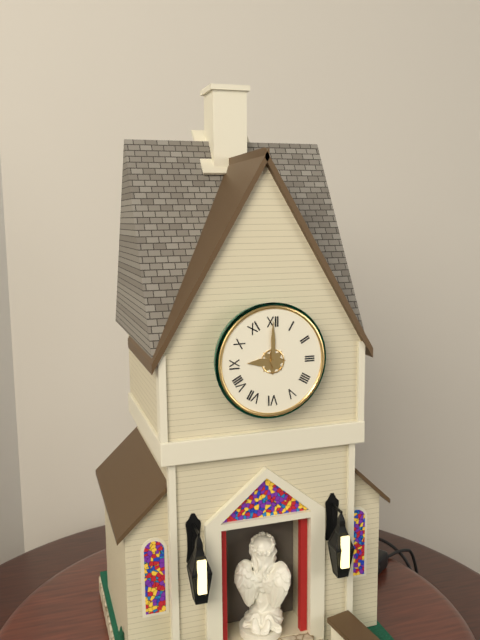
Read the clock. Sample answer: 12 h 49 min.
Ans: 9 h 00 min
